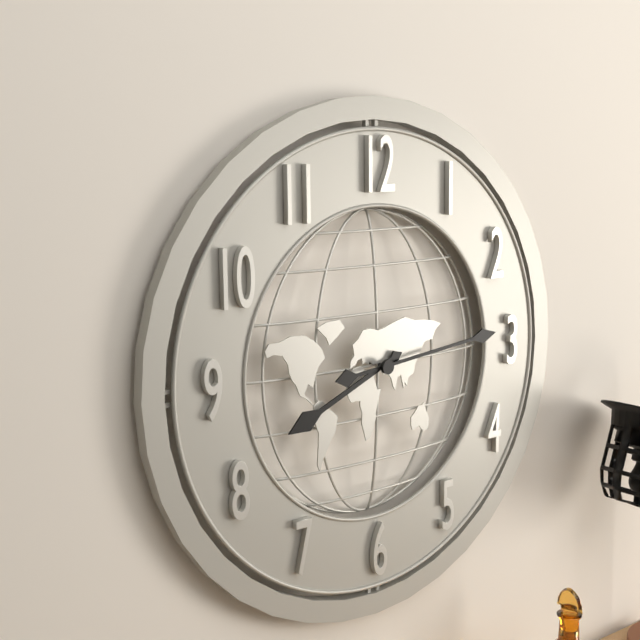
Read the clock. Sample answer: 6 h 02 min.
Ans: 8 h 14 min
